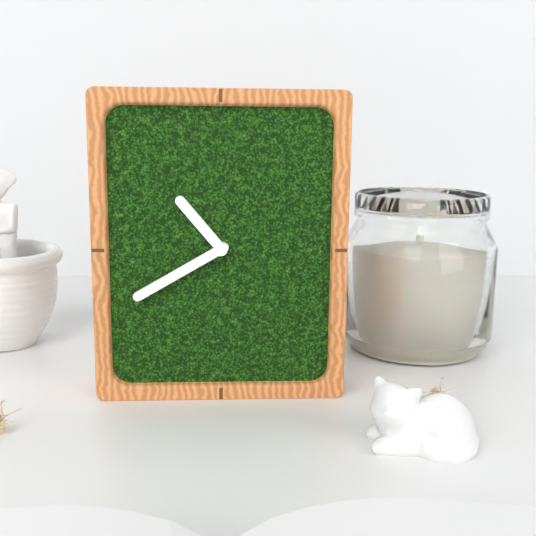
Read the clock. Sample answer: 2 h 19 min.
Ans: 10 h 40 min
